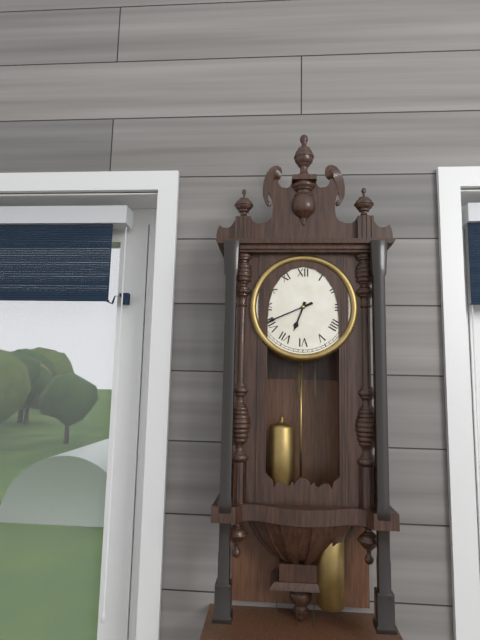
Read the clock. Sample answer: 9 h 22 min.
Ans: 6 h 41 min
